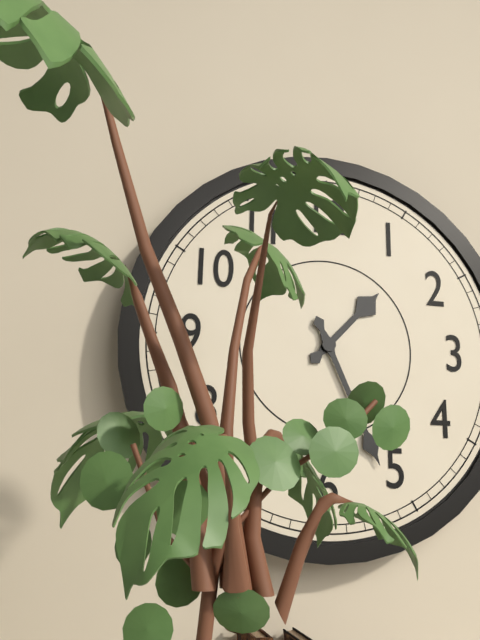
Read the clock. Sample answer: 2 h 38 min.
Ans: 1 h 26 min
